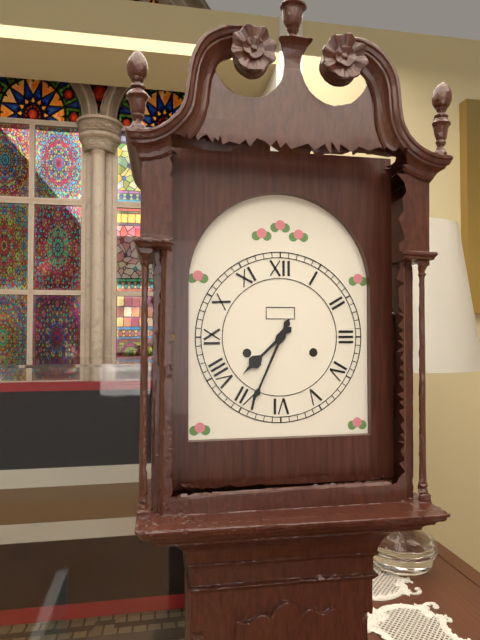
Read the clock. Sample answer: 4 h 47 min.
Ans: 7 h 34 min
